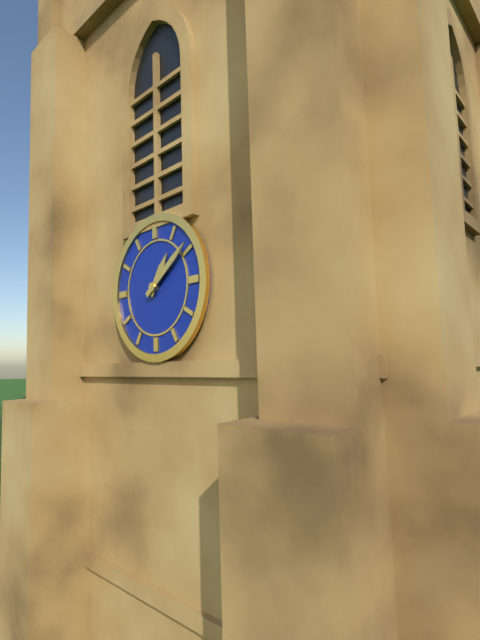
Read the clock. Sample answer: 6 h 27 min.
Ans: 1 h 09 min
